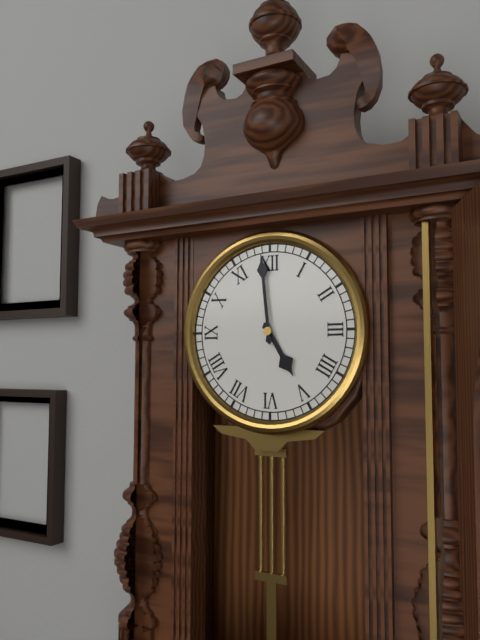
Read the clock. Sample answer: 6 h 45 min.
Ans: 4 h 59 min
